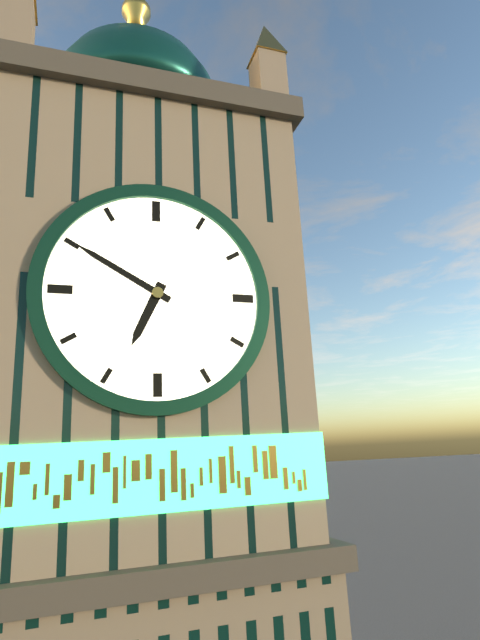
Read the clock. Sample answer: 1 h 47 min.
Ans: 6 h 50 min
